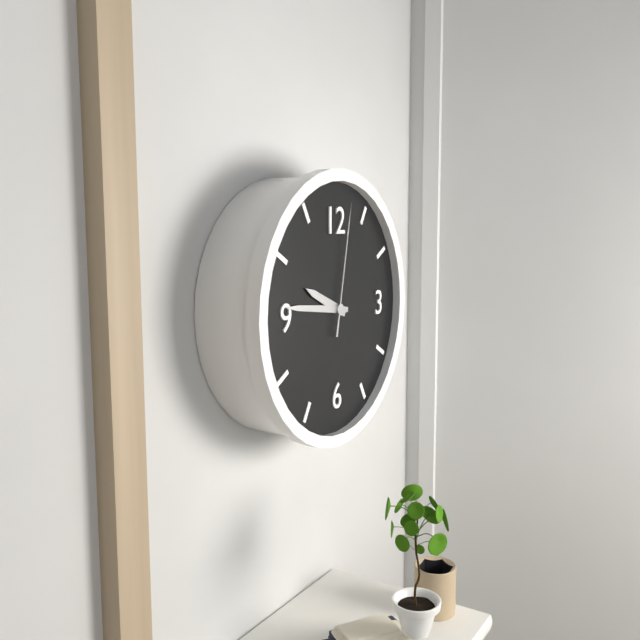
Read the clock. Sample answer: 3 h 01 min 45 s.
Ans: 9 h 46 min 02 s
